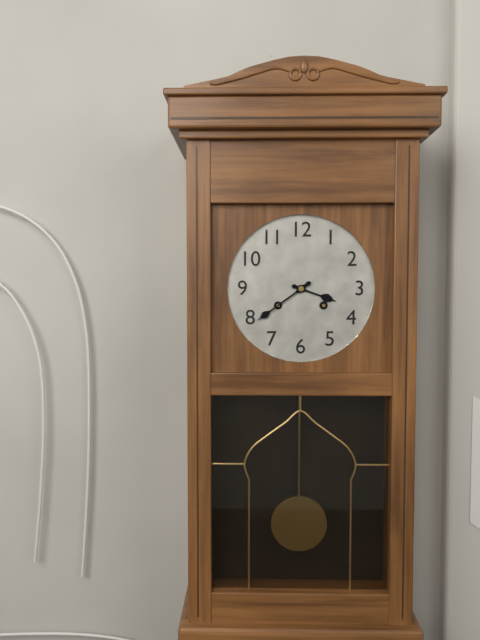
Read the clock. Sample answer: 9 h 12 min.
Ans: 3 h 39 min
